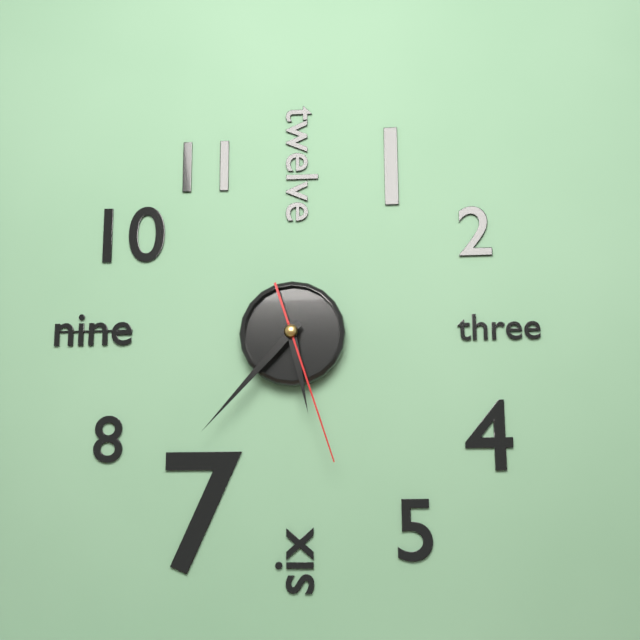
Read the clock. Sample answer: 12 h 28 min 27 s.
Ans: 5 h 37 min 27 s
